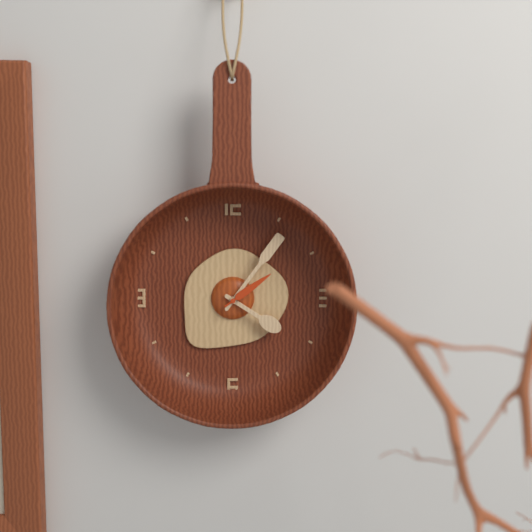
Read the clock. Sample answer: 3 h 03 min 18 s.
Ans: 4 h 06 min 09 s
